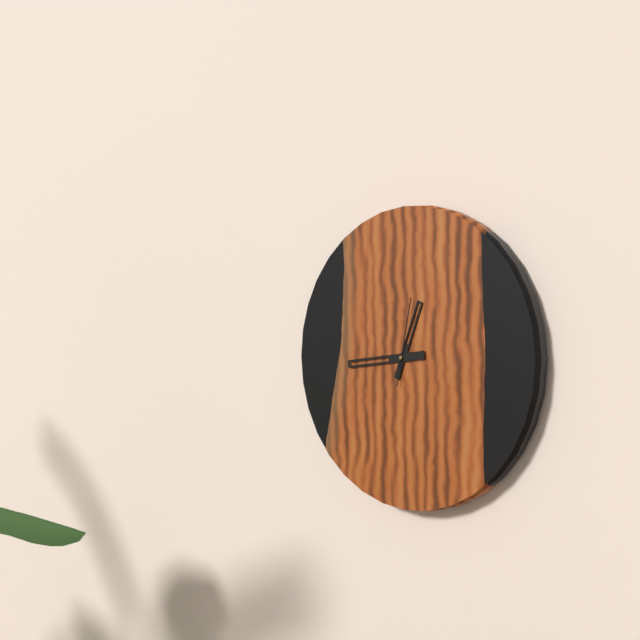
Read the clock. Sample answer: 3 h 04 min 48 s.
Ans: 12 h 44 min 02 s
